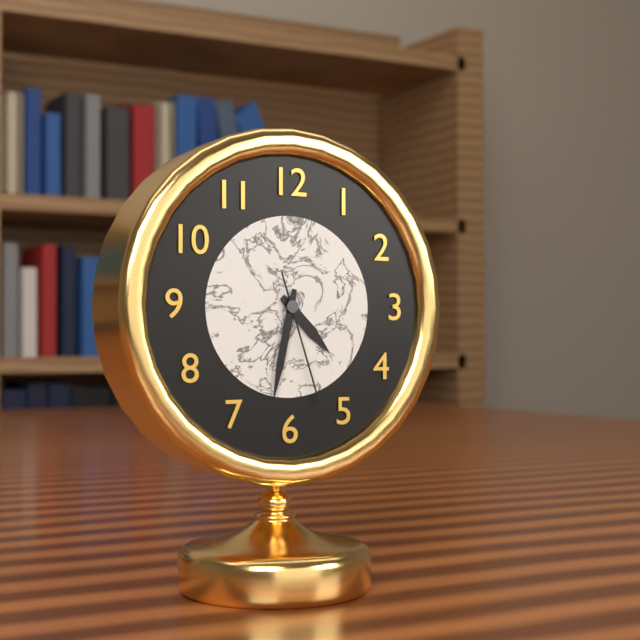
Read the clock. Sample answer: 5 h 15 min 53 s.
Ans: 4 h 32 min 27 s
